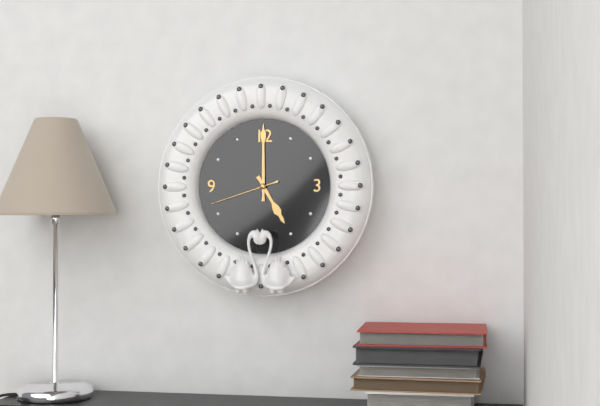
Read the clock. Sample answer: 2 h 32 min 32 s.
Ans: 5 h 00 min 42 s
